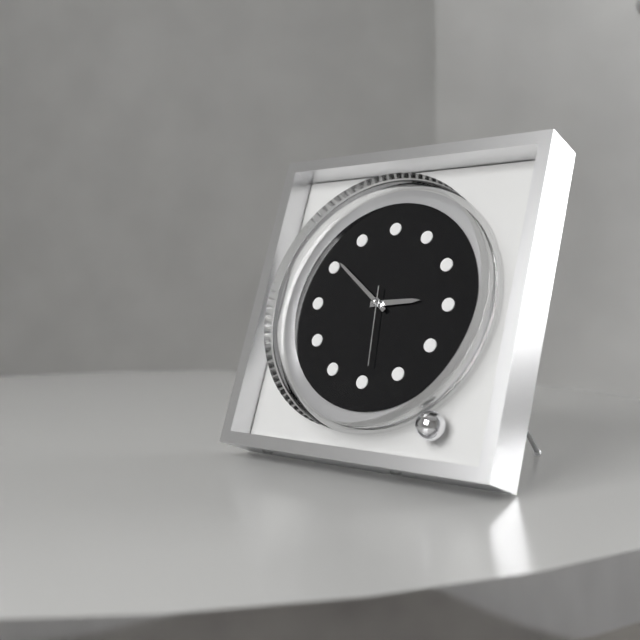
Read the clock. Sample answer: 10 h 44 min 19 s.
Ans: 2 h 51 min 29 s
